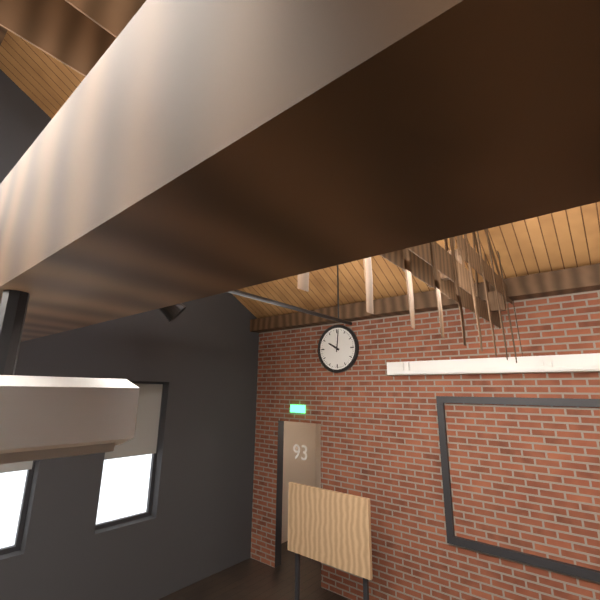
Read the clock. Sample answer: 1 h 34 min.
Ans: 10 h 01 min
